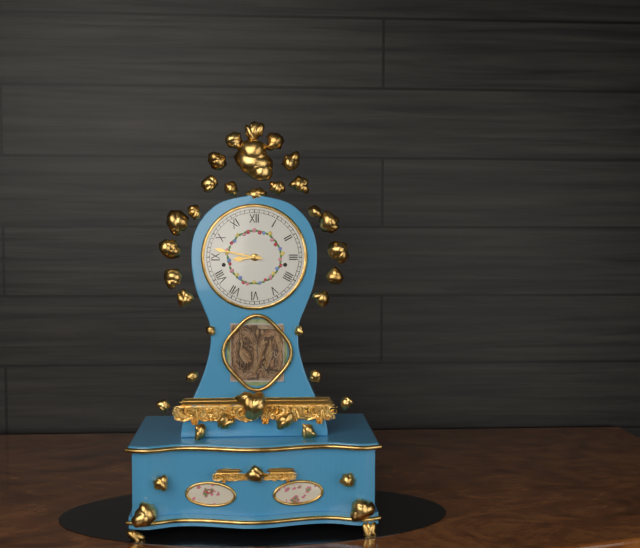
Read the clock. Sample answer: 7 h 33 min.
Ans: 8 h 47 min
